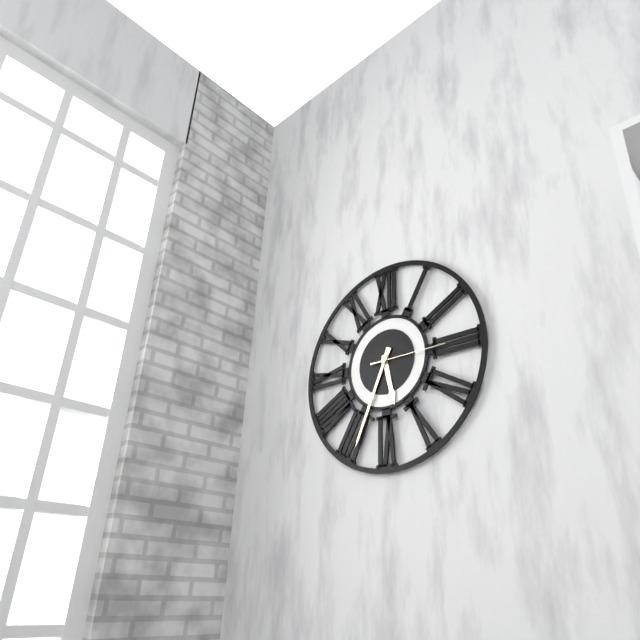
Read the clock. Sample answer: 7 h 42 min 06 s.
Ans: 5 h 34 min 15 s
